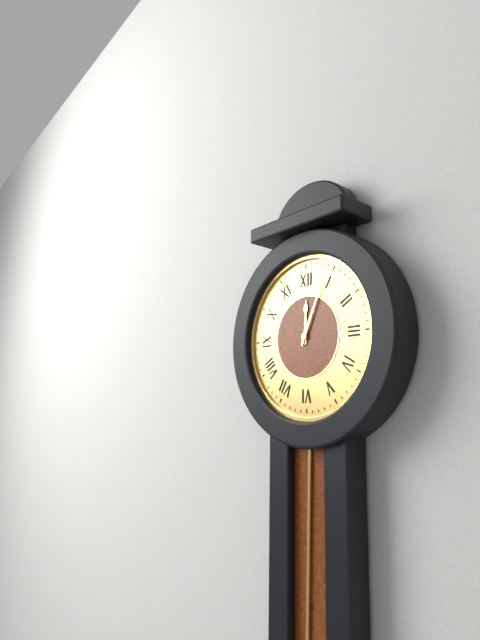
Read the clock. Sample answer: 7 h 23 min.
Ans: 12 h 04 min
